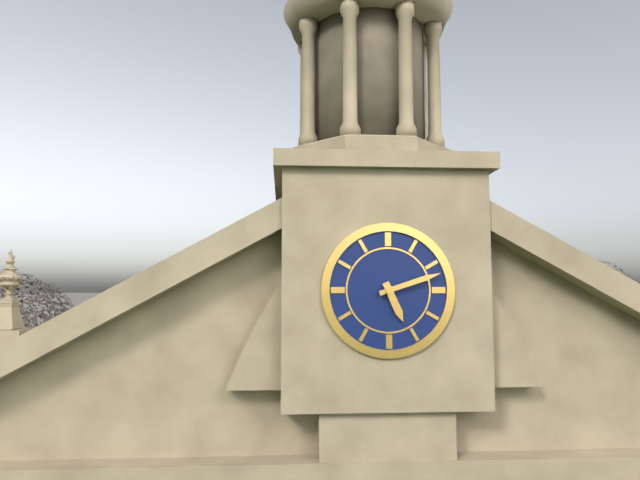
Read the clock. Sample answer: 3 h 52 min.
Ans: 5 h 12 min
